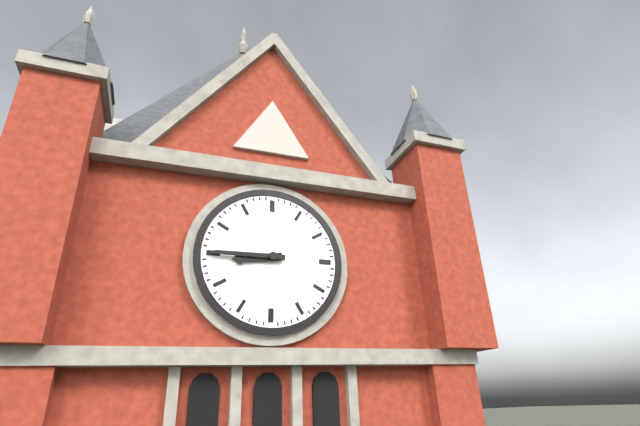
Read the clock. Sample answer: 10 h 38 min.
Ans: 8 h 45 min
